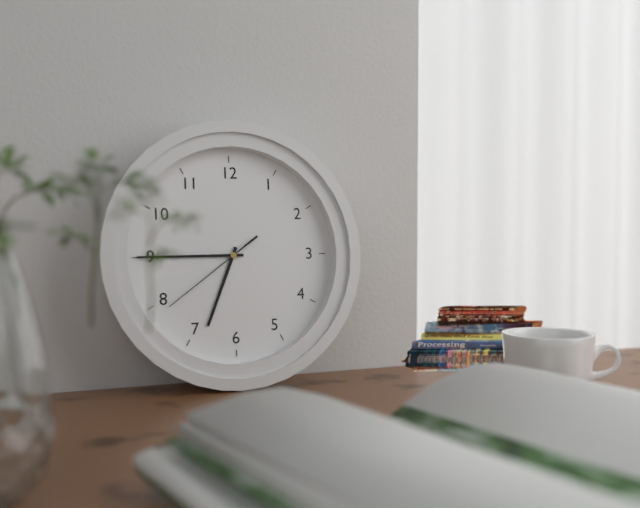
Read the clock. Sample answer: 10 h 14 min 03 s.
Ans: 6 h 45 min 39 s
